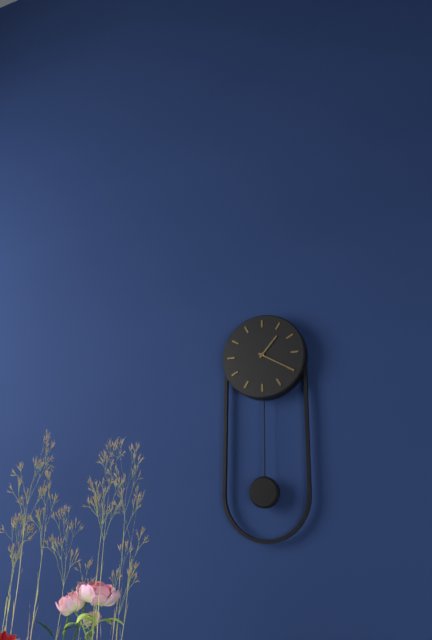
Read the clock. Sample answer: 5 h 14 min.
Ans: 1 h 20 min
